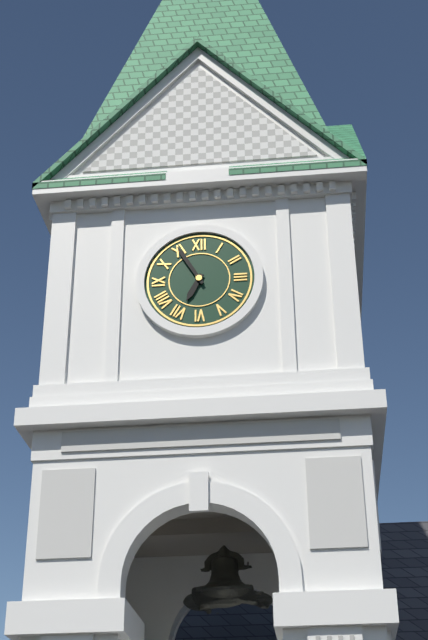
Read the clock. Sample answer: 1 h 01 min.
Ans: 6 h 55 min
